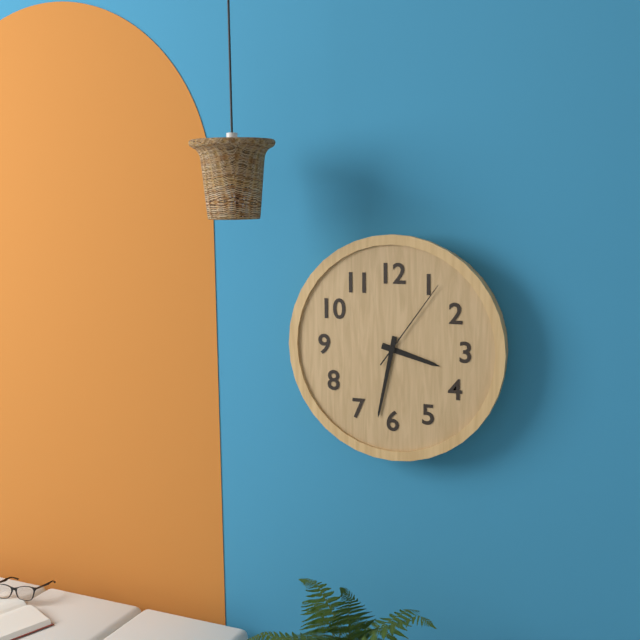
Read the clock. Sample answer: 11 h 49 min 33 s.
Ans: 3 h 32 min 06 s
